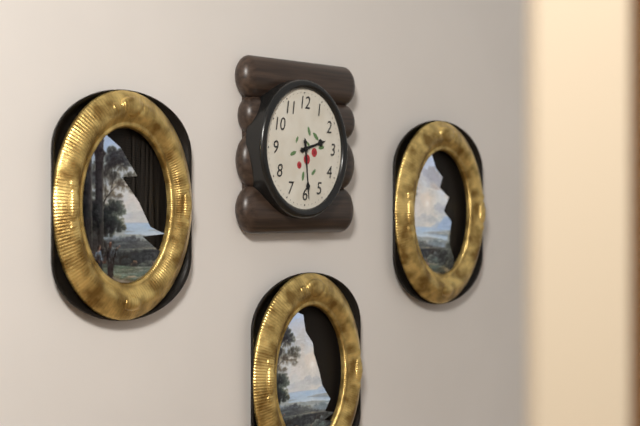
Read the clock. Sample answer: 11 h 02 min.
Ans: 2 h 29 min
